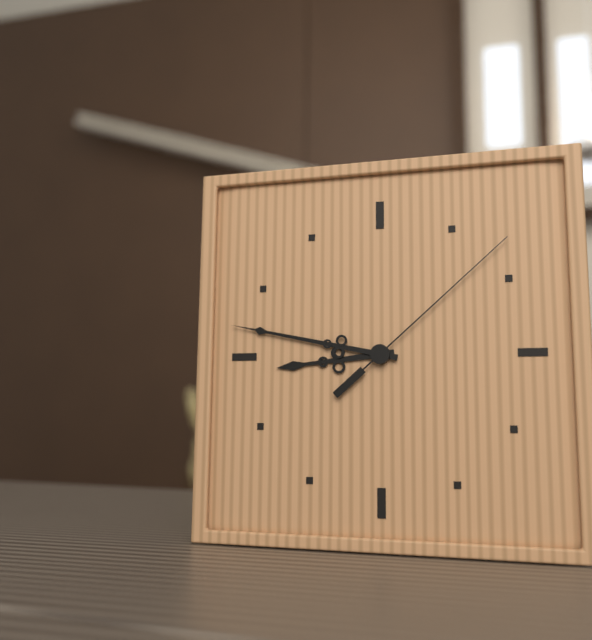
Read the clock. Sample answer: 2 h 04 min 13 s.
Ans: 8 h 47 min 08 s
